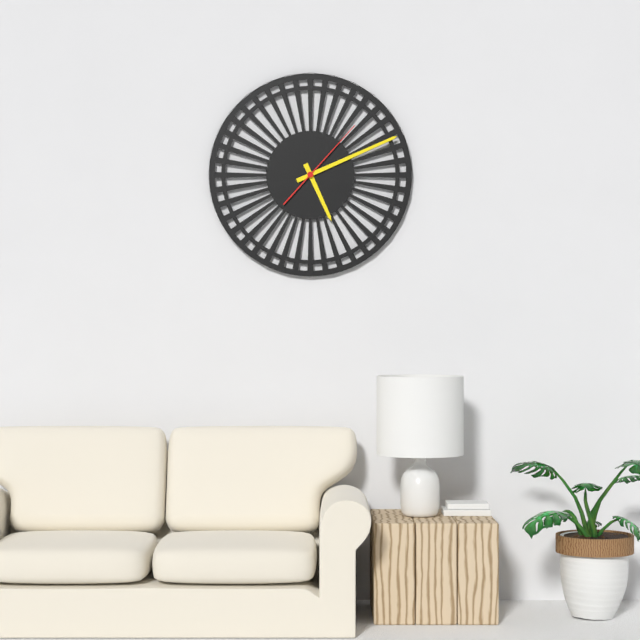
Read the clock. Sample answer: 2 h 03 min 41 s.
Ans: 5 h 11 min 07 s
